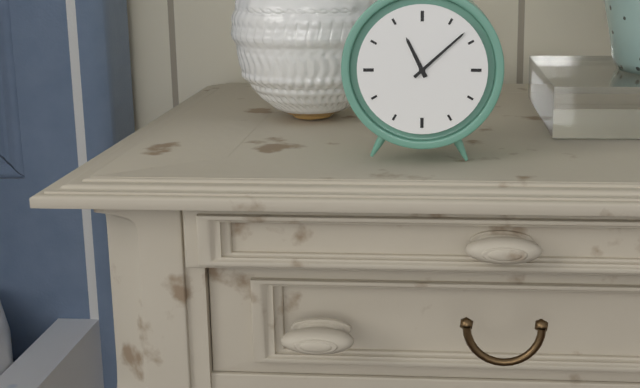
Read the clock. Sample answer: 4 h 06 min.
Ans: 11 h 08 min
